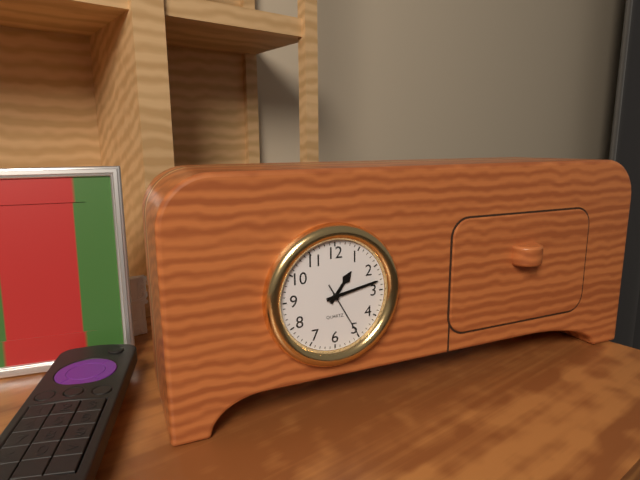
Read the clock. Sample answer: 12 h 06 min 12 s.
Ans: 1 h 13 min 25 s
